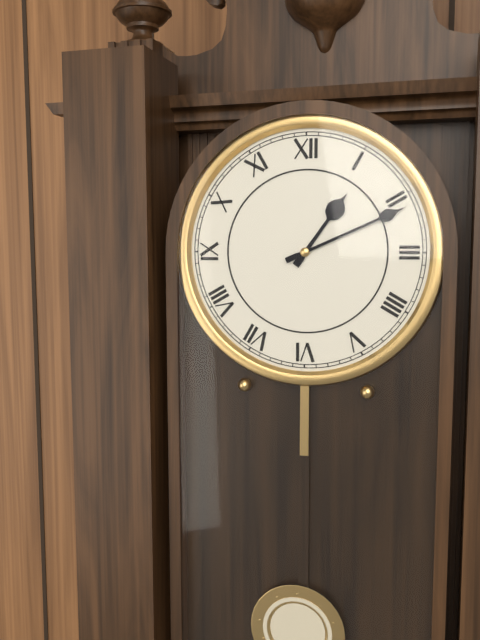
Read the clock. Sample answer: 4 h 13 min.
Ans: 1 h 11 min
